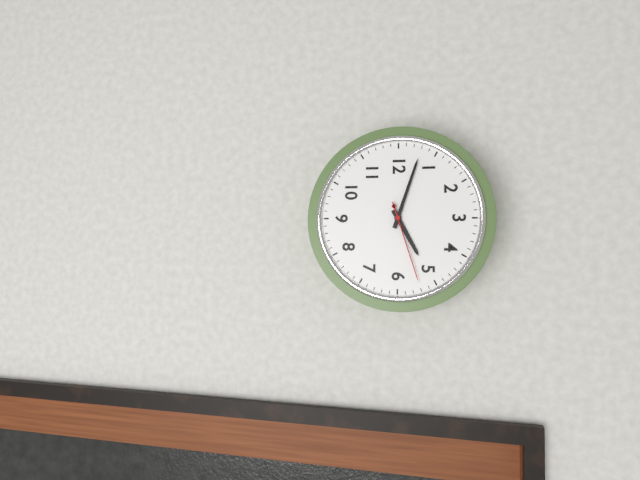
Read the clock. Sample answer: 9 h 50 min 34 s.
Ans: 5 h 03 min 27 s
